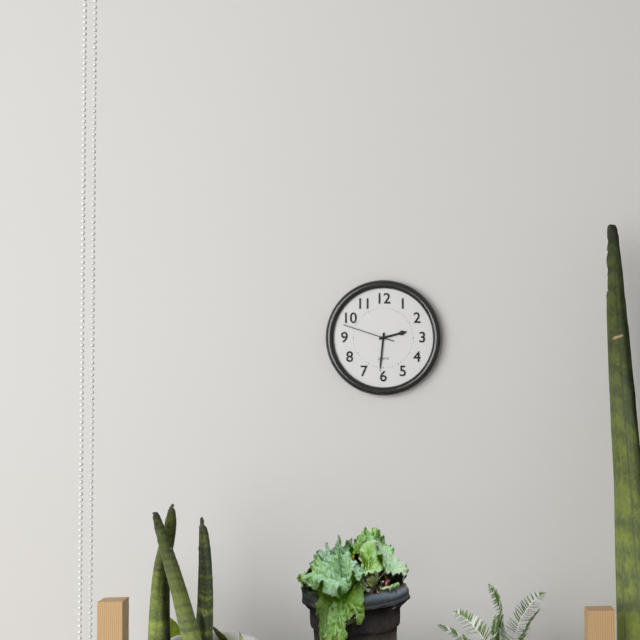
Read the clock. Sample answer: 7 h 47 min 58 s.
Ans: 2 h 31 min 48 s
